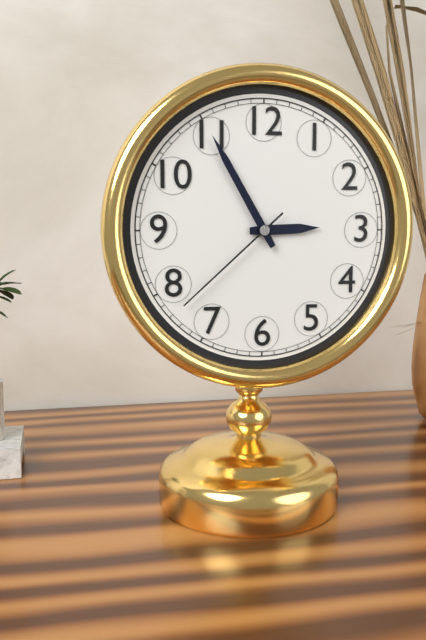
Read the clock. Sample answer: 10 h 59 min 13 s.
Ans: 2 h 55 min 38 s
